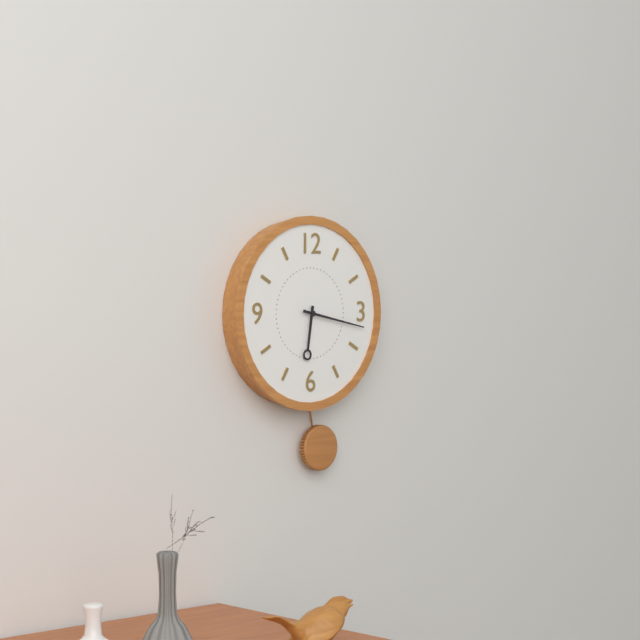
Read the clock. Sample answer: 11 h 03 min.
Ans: 6 h 17 min
